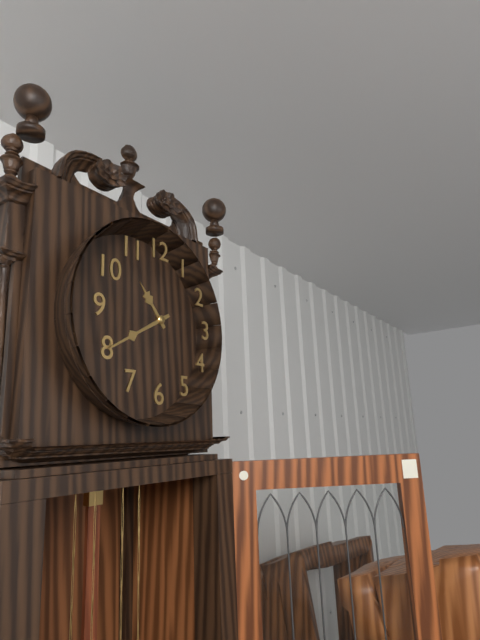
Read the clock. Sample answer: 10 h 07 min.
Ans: 10 h 40 min
